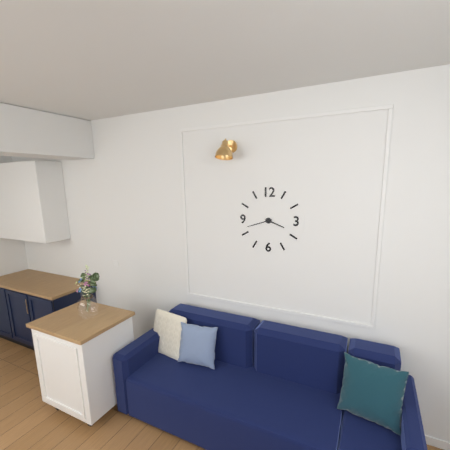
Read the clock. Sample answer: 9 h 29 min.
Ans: 3 h 42 min
